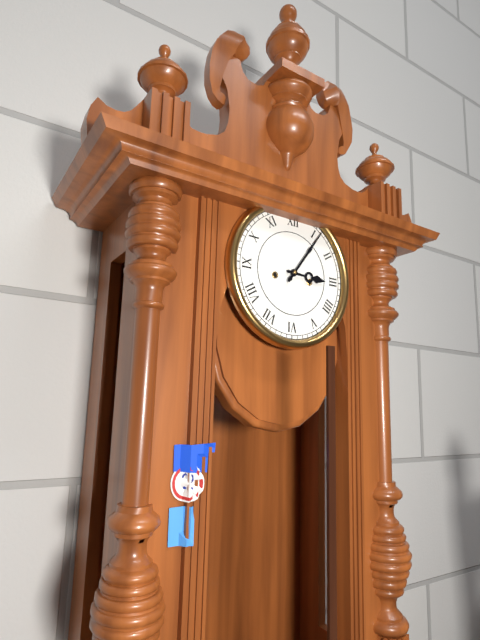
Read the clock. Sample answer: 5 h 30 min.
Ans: 3 h 06 min
